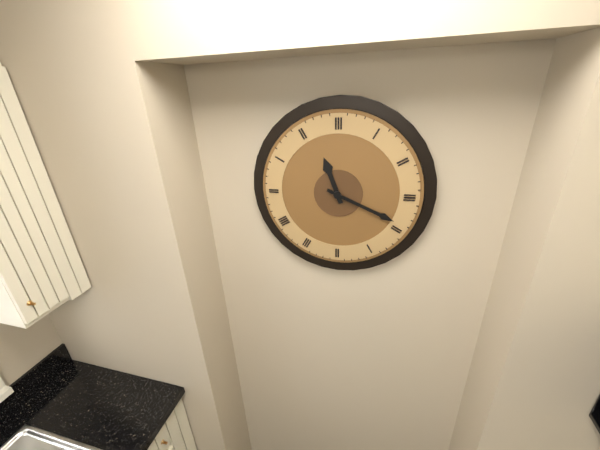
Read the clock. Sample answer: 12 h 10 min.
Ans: 11 h 19 min
